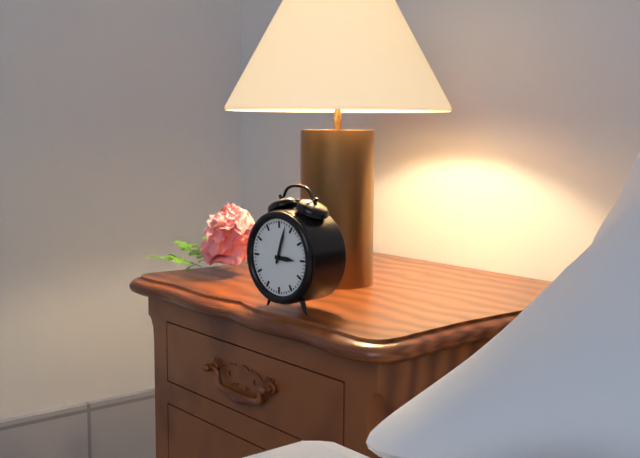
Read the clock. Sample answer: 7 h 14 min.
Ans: 3 h 03 min
